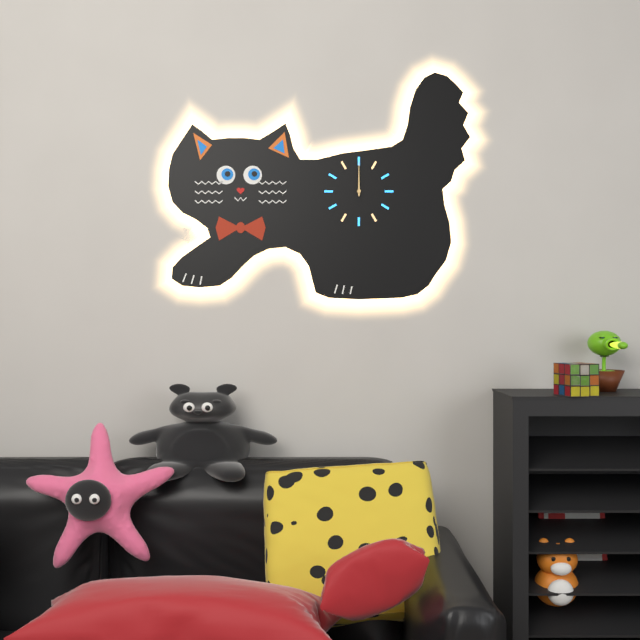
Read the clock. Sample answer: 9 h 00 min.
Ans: 12 h 00 min
